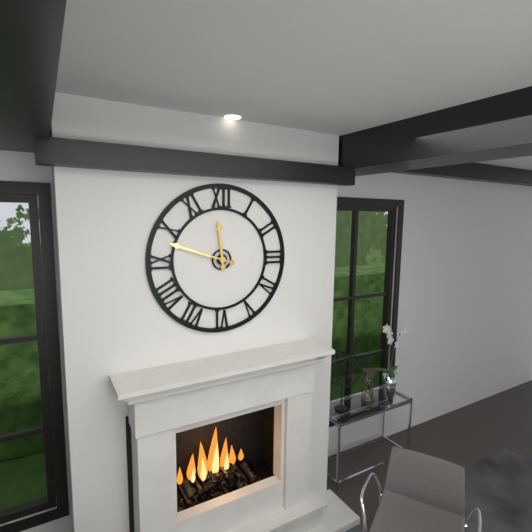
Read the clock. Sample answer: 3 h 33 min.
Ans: 11 h 48 min
